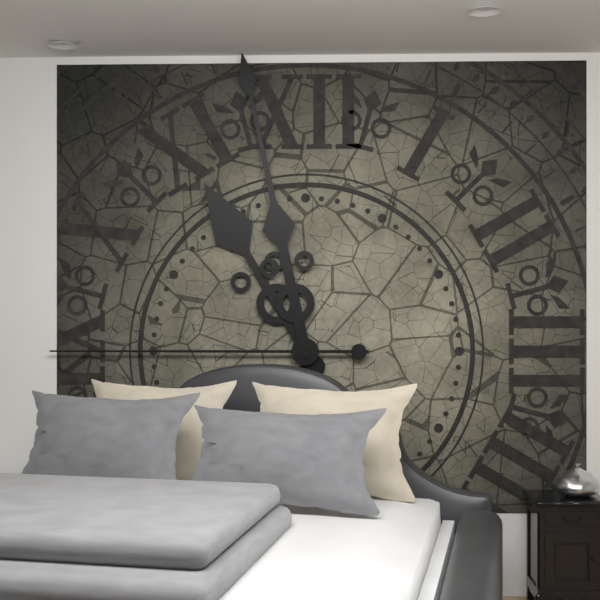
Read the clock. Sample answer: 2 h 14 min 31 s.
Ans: 10 h 58 min 45 s
